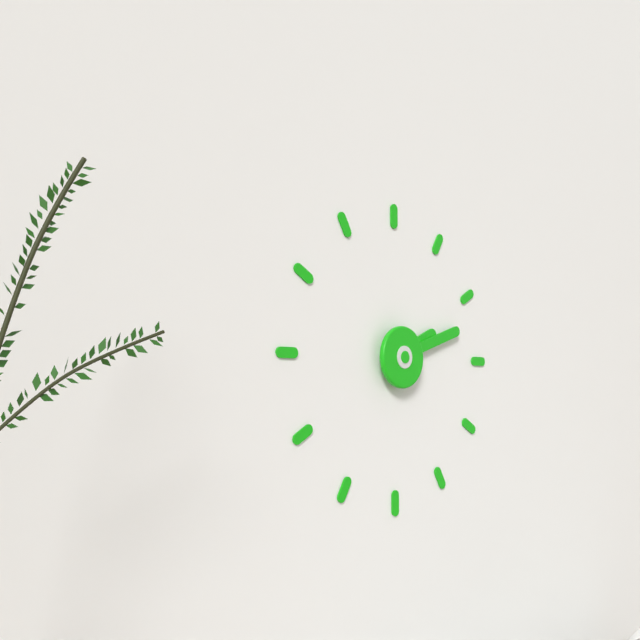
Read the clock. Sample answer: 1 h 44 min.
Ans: 2 h 12 min
